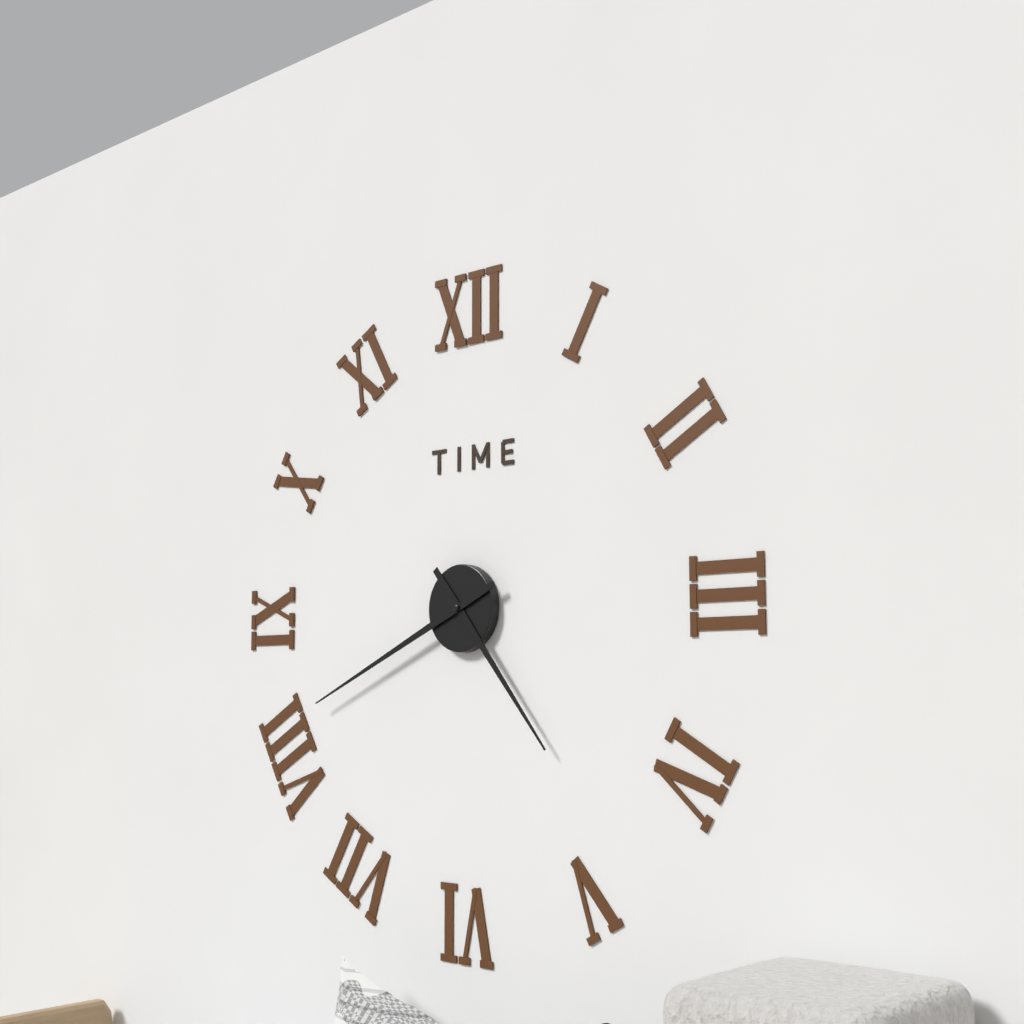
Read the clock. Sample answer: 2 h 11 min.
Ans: 4 h 41 min
